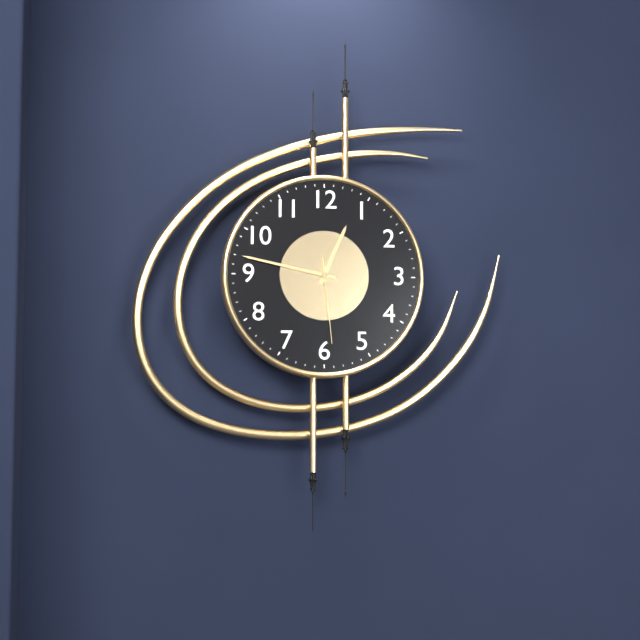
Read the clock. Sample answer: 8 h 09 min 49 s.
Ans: 12 h 47 min 29 s
